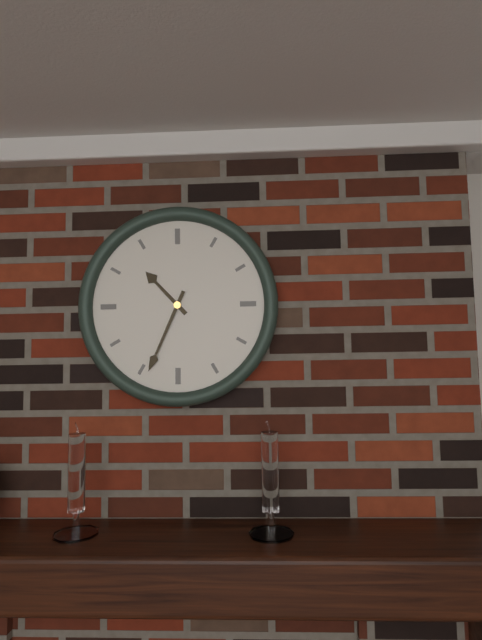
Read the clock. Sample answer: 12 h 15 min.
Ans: 10 h 34 min
